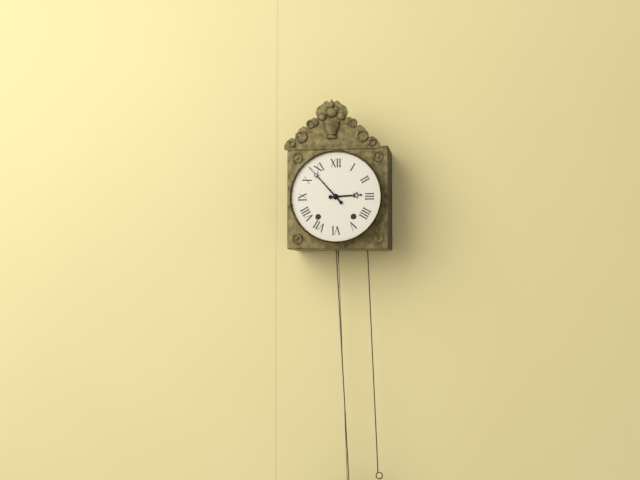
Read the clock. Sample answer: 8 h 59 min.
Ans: 2 h 53 min
